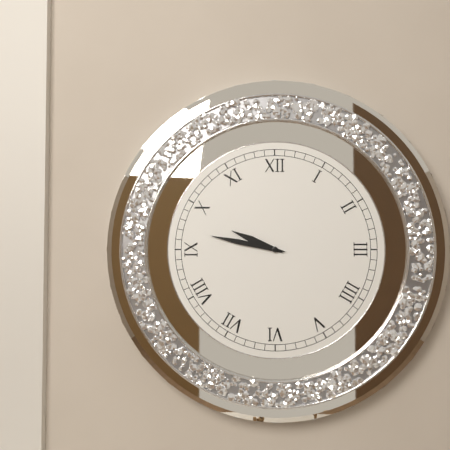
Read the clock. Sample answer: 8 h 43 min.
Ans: 9 h 47 min
